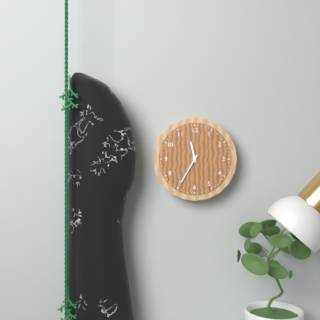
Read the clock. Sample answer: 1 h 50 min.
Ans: 11 h 35 min
